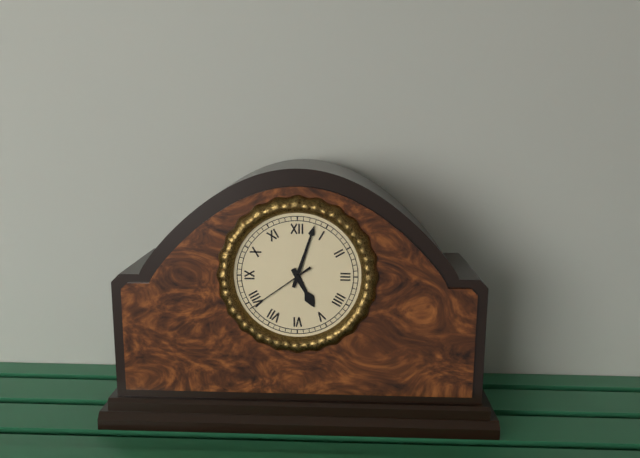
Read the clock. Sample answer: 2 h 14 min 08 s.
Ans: 5 h 03 min 39 s
